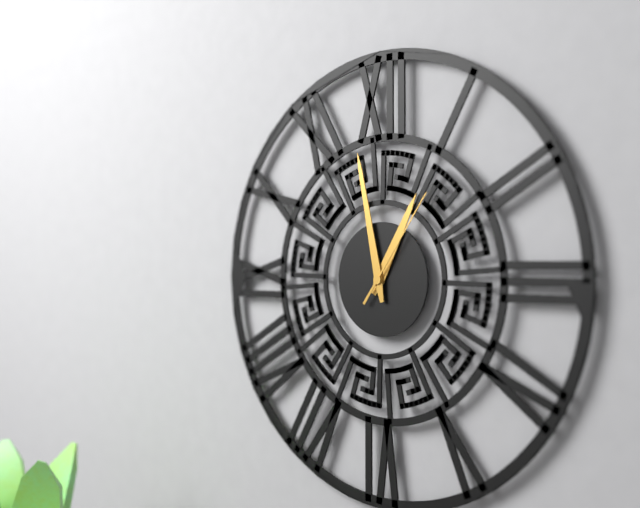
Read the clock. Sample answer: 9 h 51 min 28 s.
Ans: 12 h 58 min 06 s
